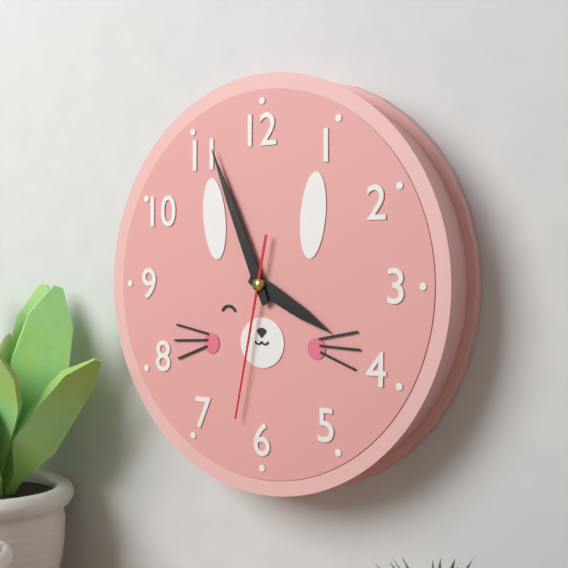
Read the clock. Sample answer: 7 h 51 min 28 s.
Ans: 3 h 56 min 32 s
